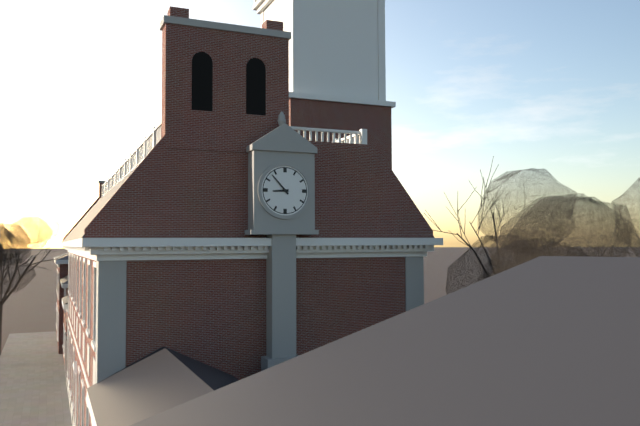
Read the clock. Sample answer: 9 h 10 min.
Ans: 8 h 53 min
